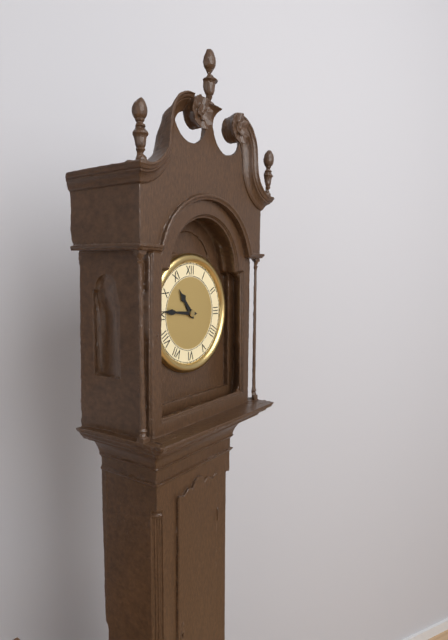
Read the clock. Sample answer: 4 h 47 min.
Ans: 10 h 46 min
